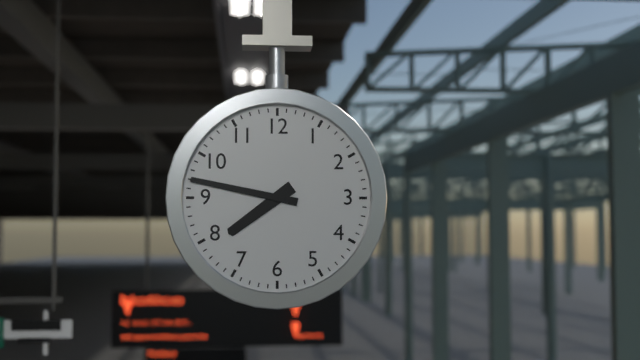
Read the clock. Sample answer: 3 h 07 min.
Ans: 7 h 47 min
